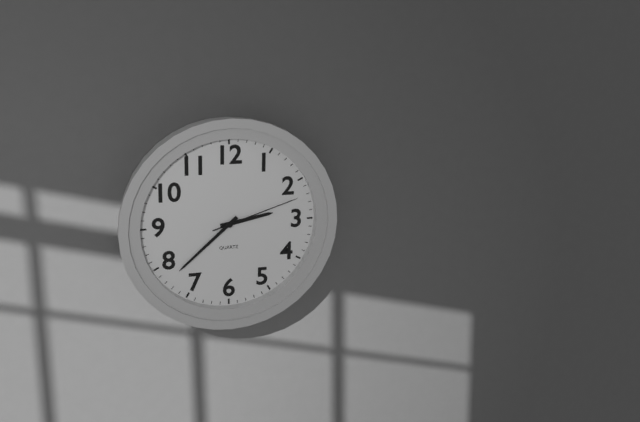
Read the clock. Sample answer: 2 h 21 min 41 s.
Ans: 2 h 38 min 12 s
